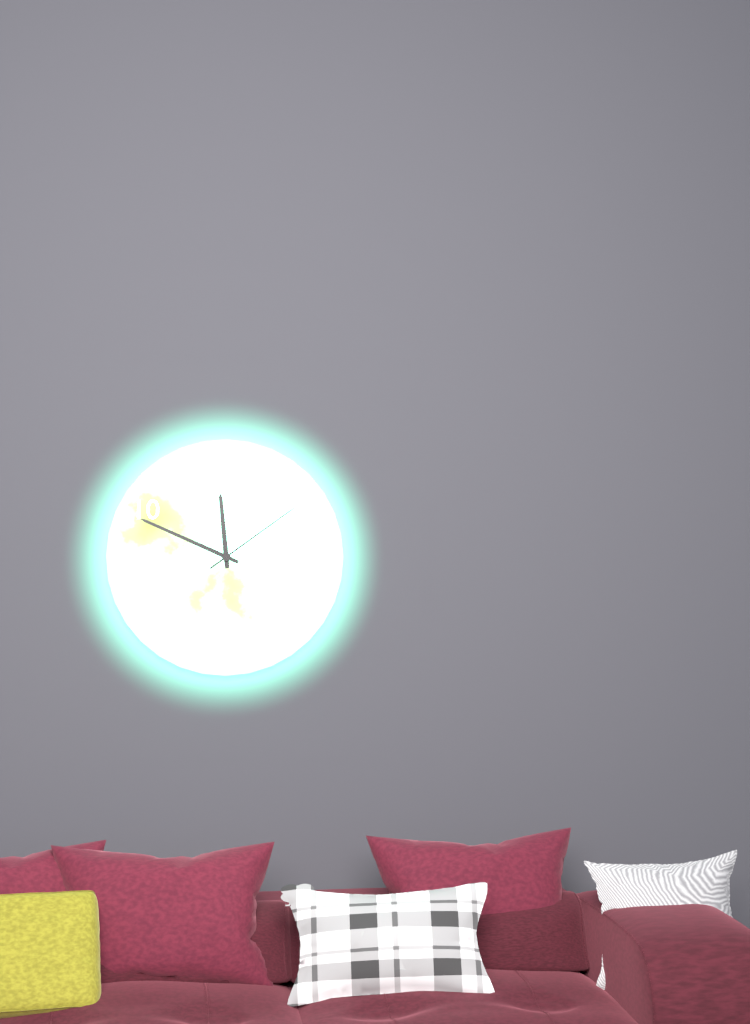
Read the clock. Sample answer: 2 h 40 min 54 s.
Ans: 11 h 49 min 09 s
